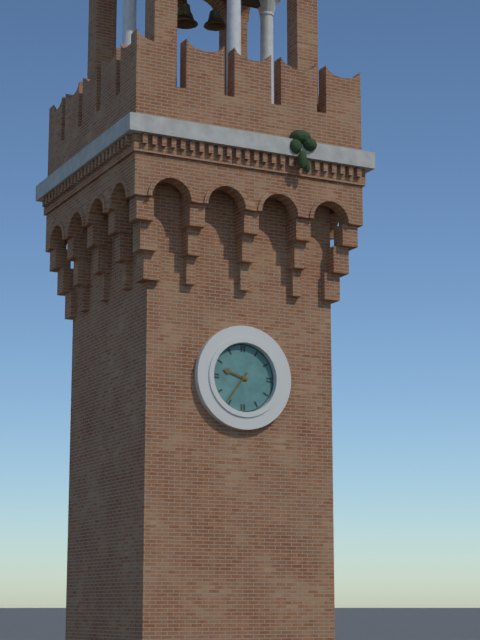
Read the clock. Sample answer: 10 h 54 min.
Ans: 9 h 36 min
